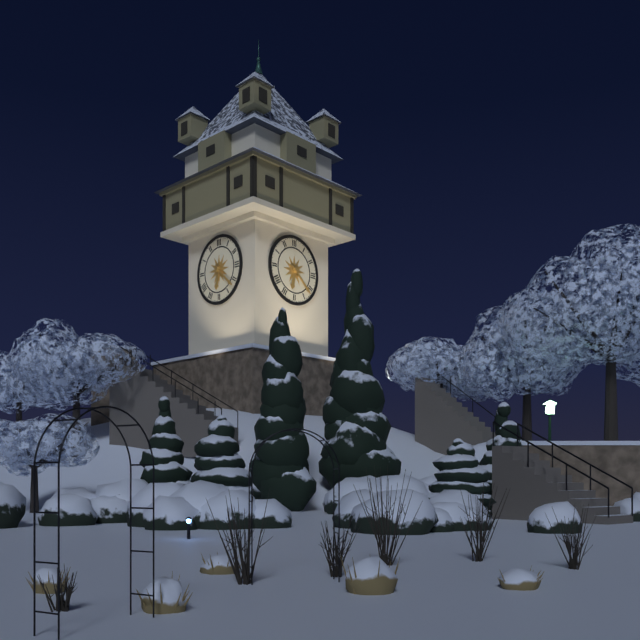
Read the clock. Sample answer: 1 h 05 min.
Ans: 6 h 22 min
